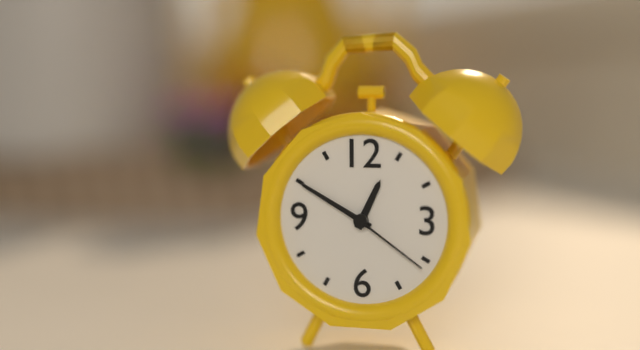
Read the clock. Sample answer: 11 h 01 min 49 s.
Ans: 12 h 50 min 21 s
